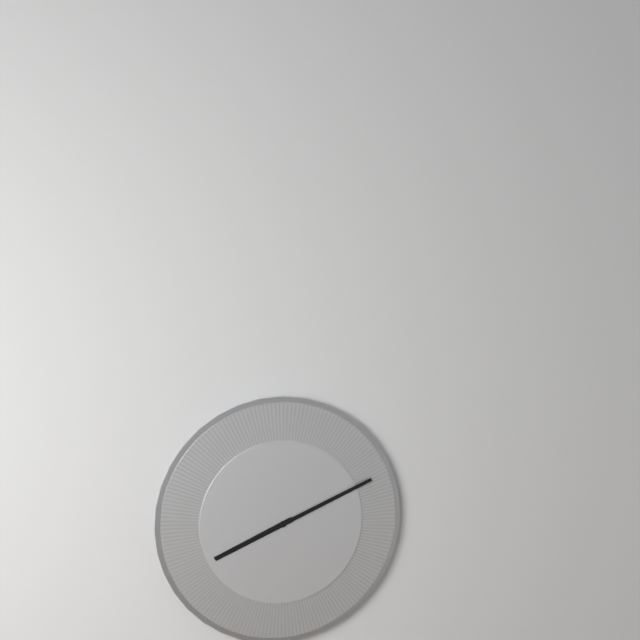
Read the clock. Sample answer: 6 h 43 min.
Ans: 8 h 11 min
